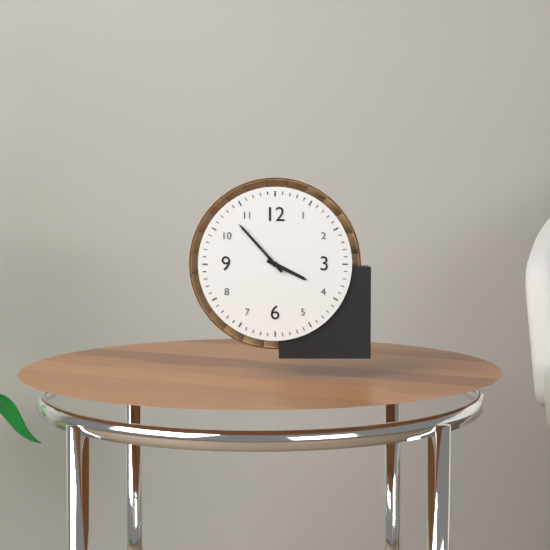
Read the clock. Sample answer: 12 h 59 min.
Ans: 3 h 53 min
